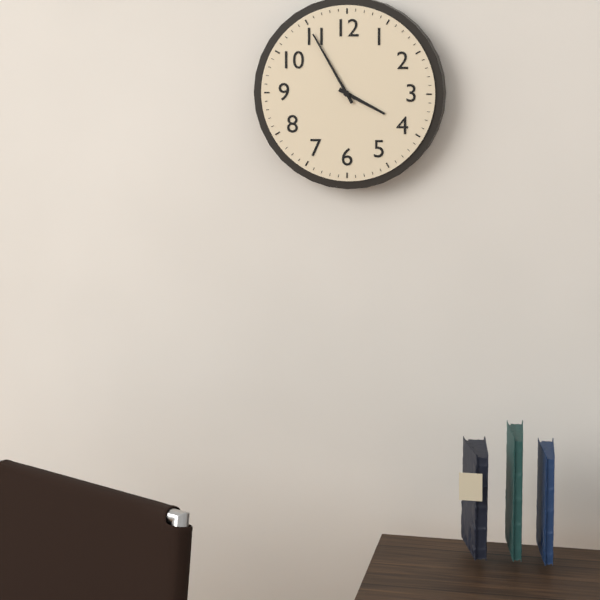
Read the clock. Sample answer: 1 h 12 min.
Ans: 3 h 55 min
